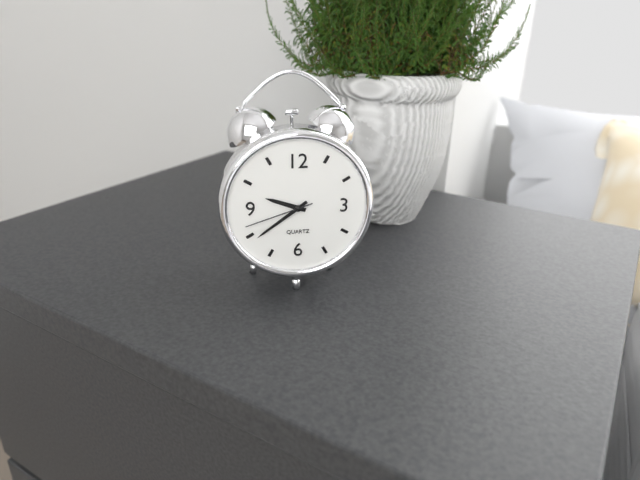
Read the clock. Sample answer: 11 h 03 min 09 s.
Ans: 9 h 39 min 42 s
